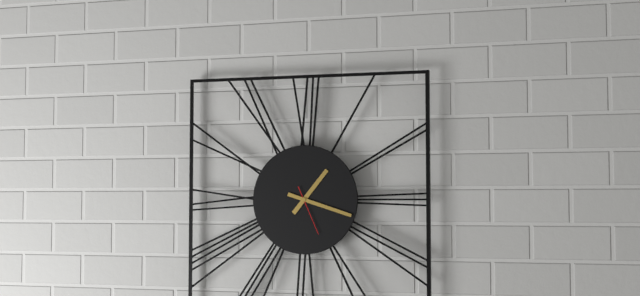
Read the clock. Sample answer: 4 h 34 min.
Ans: 1 h 18 min
